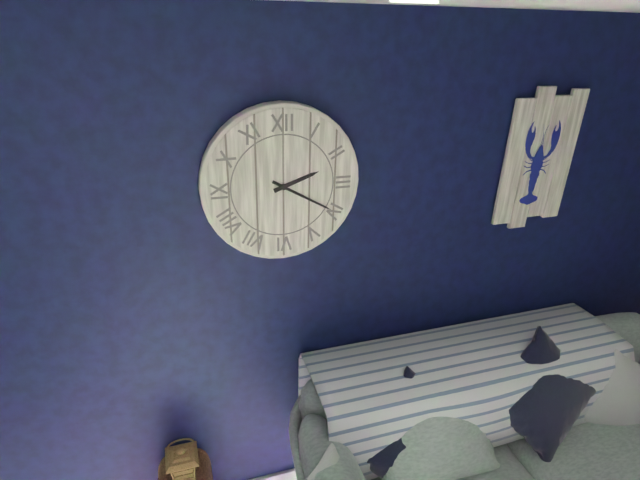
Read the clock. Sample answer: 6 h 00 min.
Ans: 2 h 20 min
